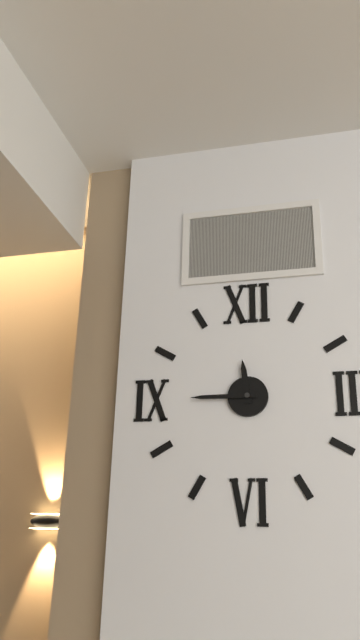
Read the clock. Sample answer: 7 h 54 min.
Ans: 11 h 45 min
